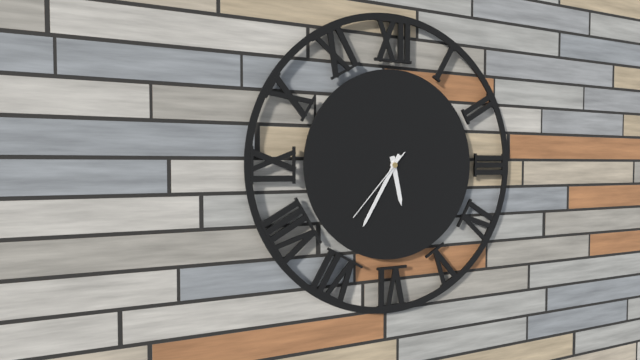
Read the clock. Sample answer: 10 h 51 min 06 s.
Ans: 5 h 35 min 37 s
